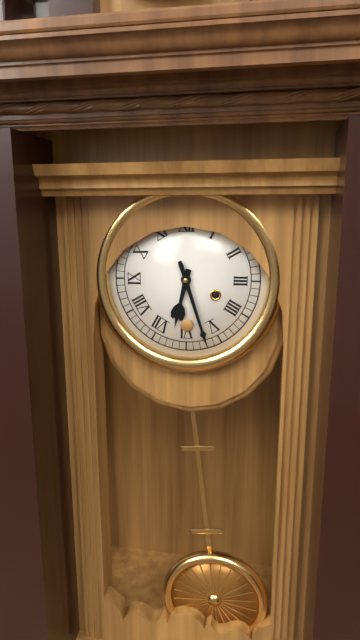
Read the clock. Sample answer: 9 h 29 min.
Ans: 6 h 27 min
